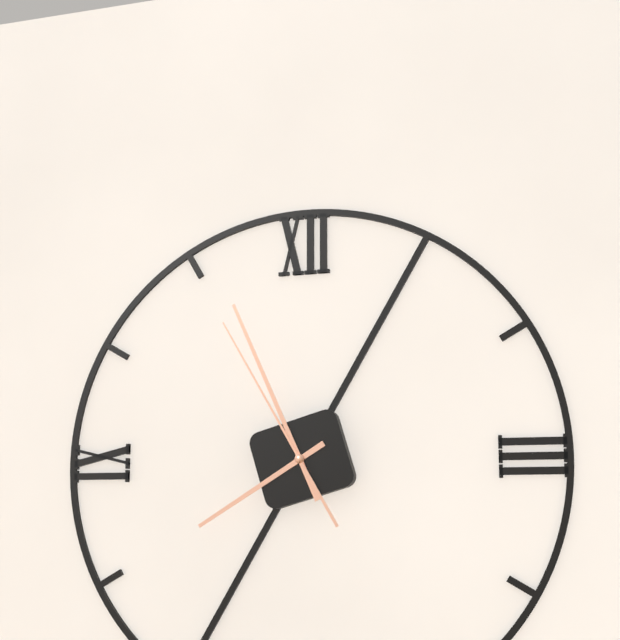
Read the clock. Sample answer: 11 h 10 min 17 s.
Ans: 7 h 56 min 55 s
